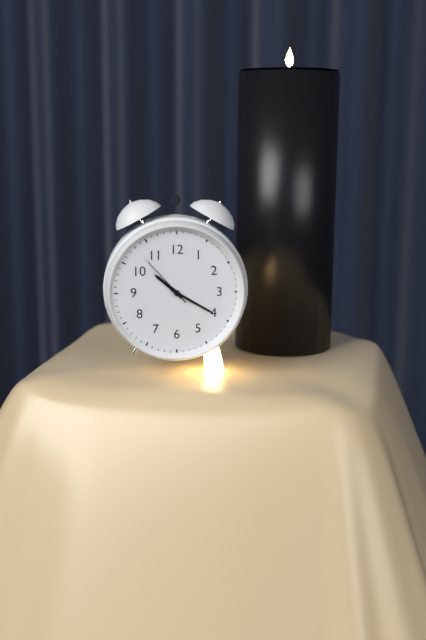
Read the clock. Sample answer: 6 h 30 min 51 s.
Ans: 10 h 20 min 53 s
